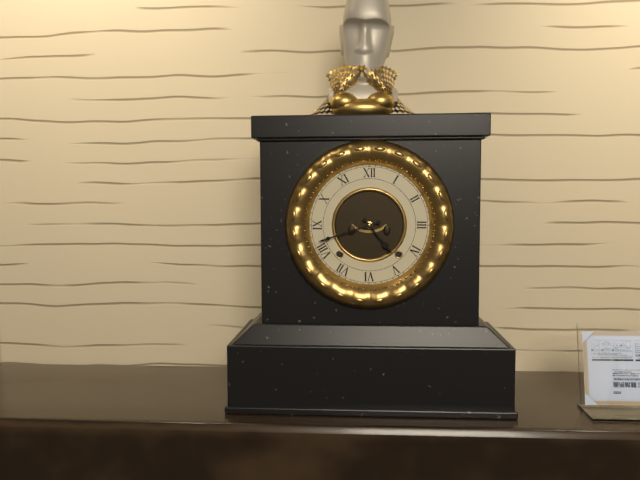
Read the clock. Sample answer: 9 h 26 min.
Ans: 4 h 42 min
